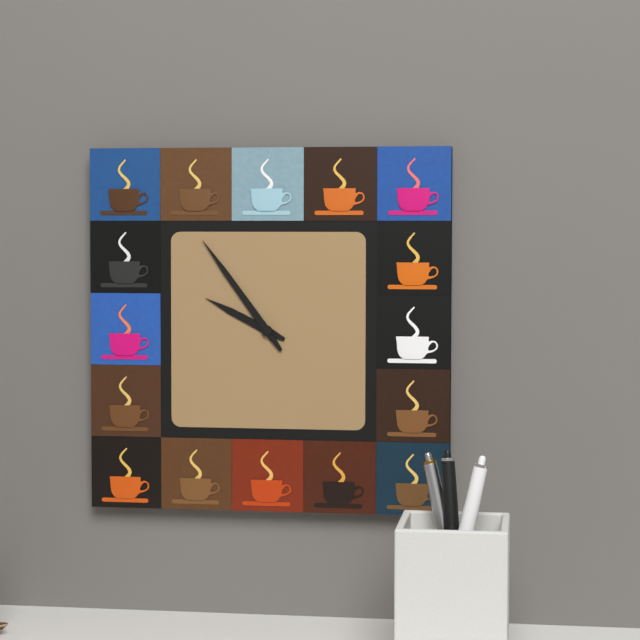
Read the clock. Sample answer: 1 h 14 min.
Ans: 9 h 54 min
